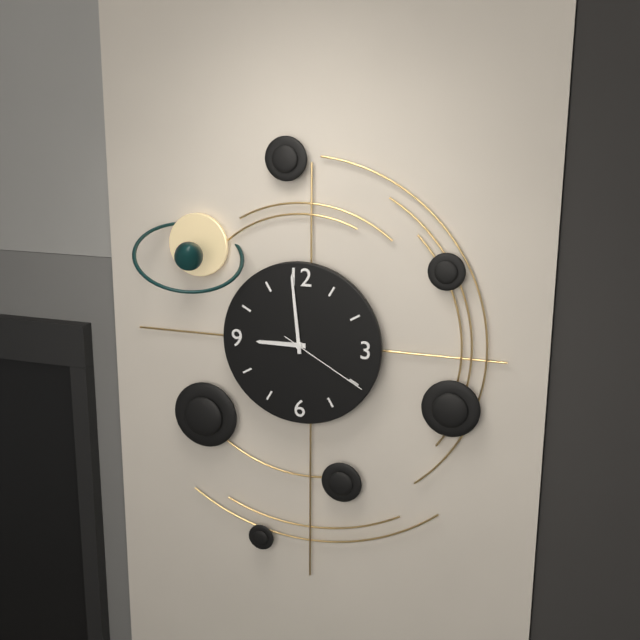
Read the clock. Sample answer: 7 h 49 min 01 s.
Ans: 8 h 59 min 20 s
